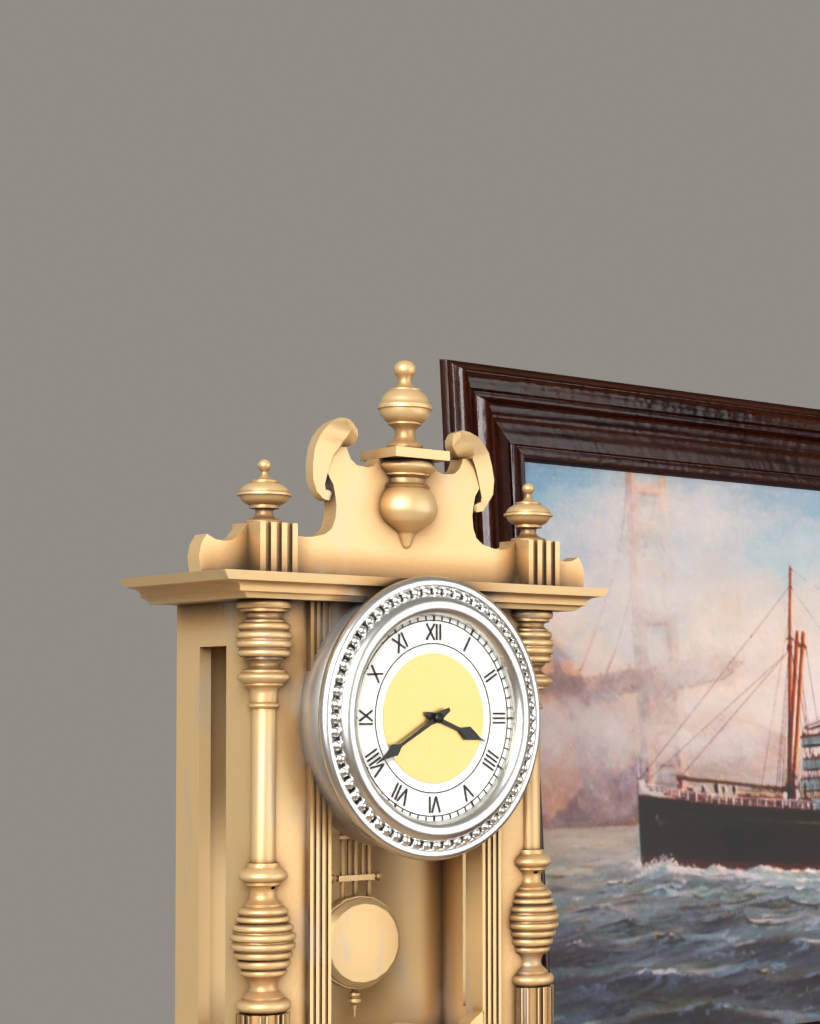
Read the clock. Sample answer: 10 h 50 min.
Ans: 3 h 40 min
